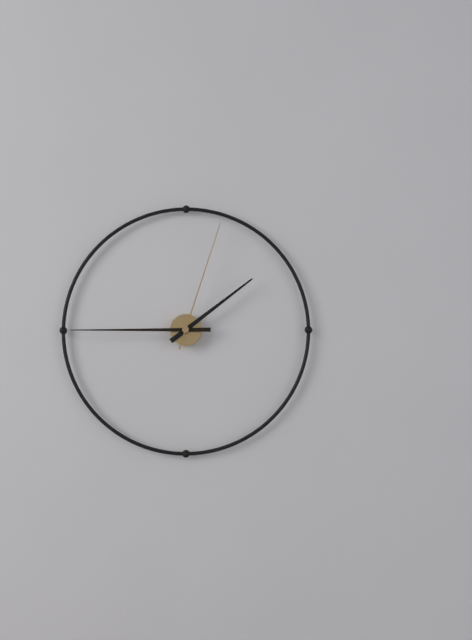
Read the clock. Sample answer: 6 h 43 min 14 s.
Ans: 1 h 45 min 03 s
